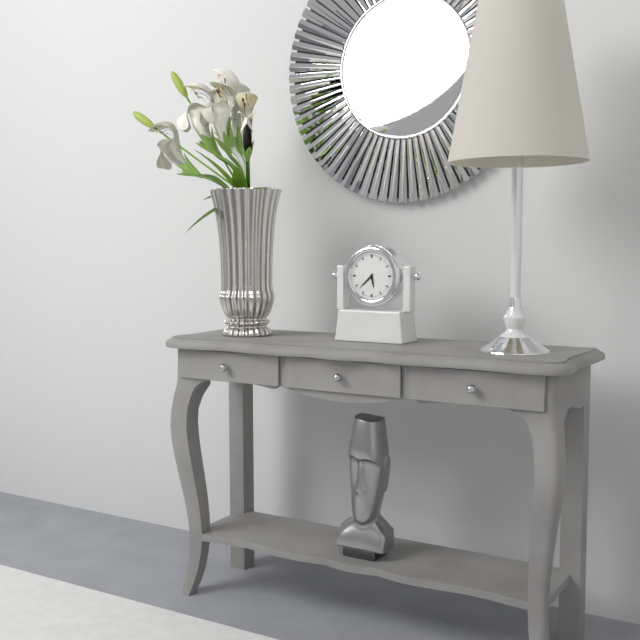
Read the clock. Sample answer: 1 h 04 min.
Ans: 5 h 38 min
